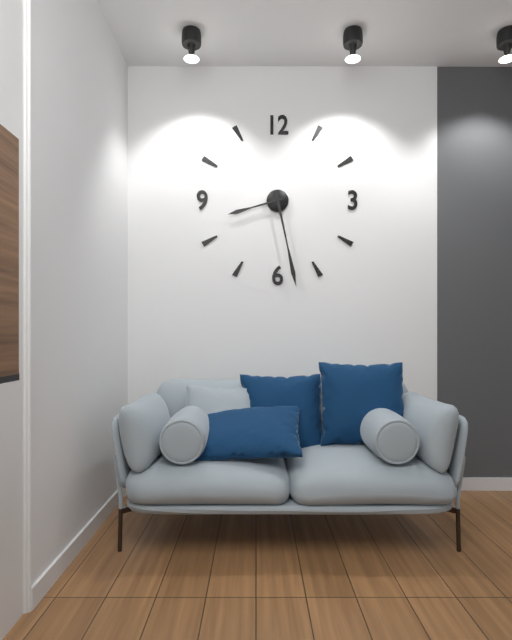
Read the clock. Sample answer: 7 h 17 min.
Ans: 8 h 28 min
